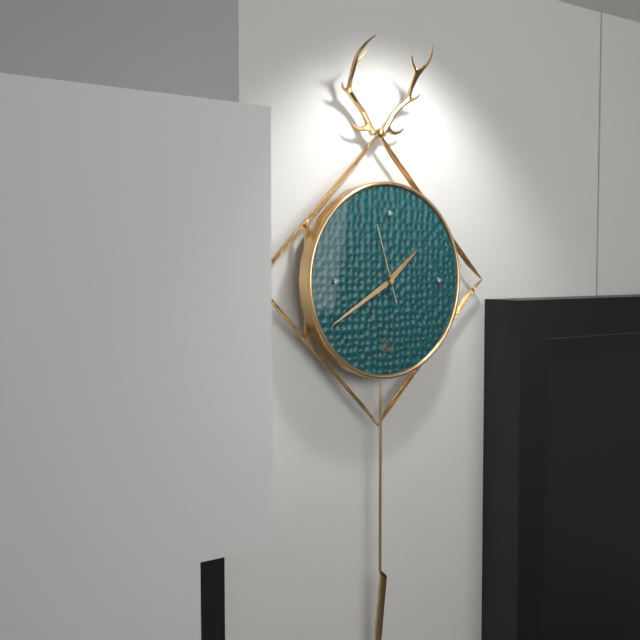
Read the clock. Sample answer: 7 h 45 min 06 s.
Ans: 1 h 40 min 57 s
